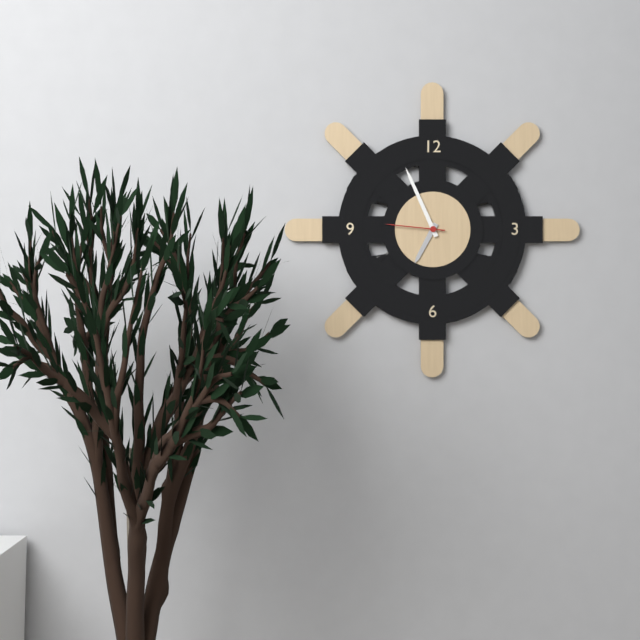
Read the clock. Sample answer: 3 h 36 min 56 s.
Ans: 6 h 56 min 46 s
